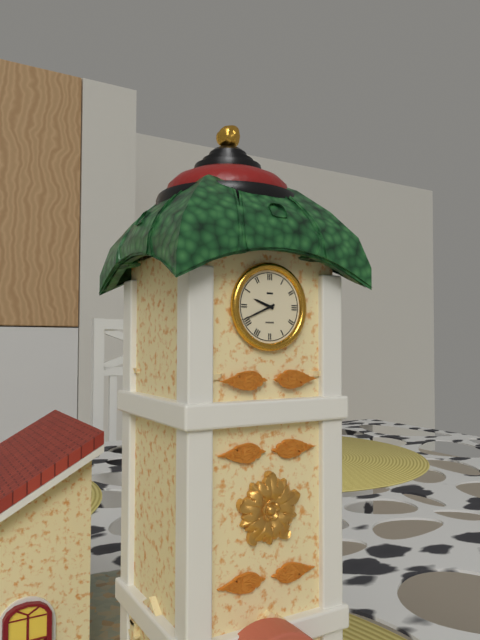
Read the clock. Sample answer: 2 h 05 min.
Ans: 9 h 41 min
